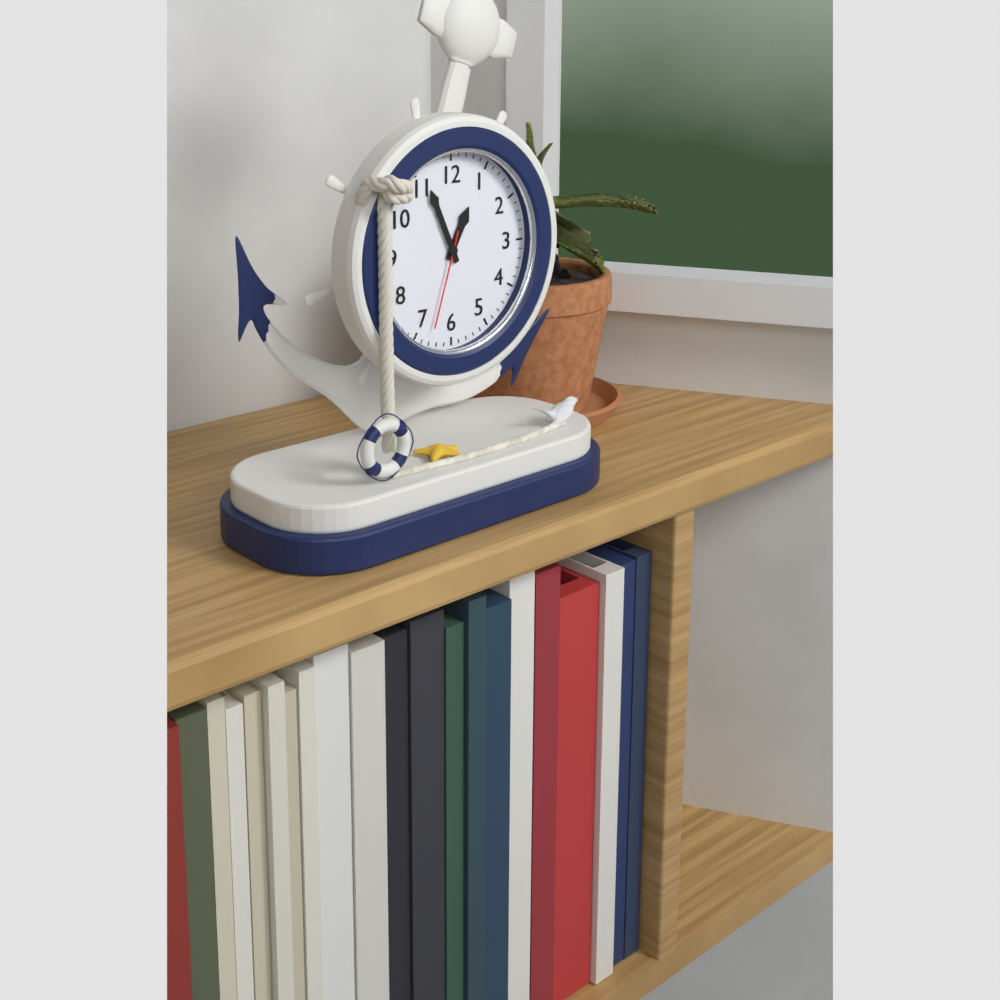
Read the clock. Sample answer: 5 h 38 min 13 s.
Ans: 12 h 56 min 33 s
